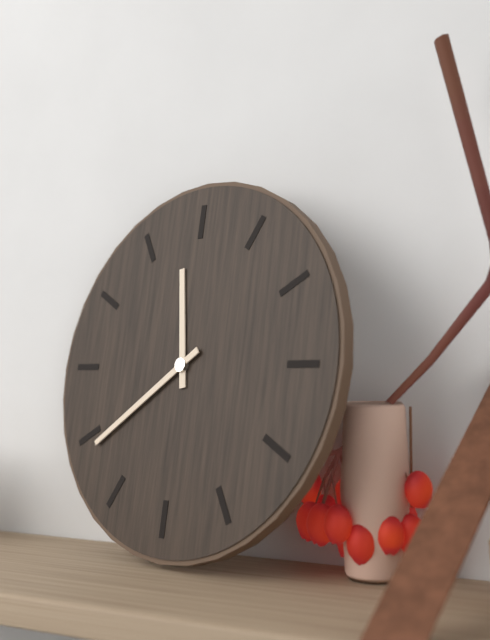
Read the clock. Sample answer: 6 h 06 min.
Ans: 11 h 39 min
